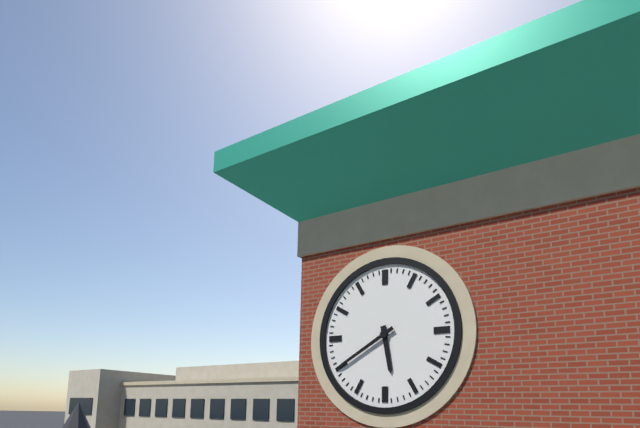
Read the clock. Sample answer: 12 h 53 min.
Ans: 5 h 40 min
